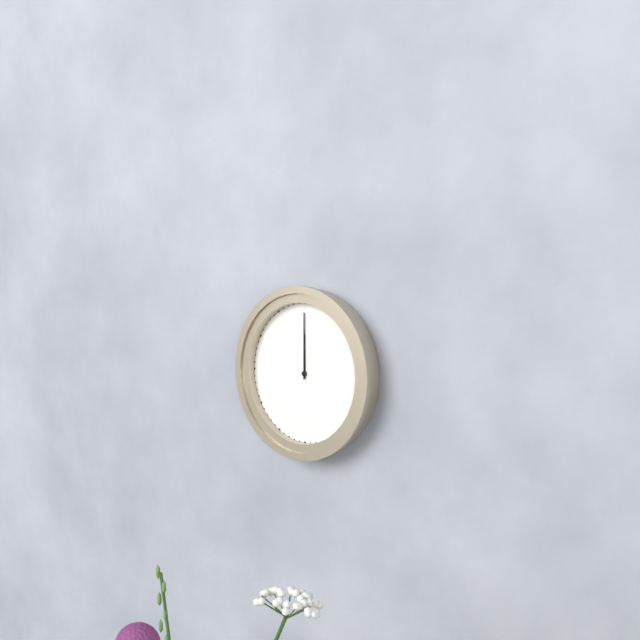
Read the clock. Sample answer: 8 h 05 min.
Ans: 12 h 00 min
